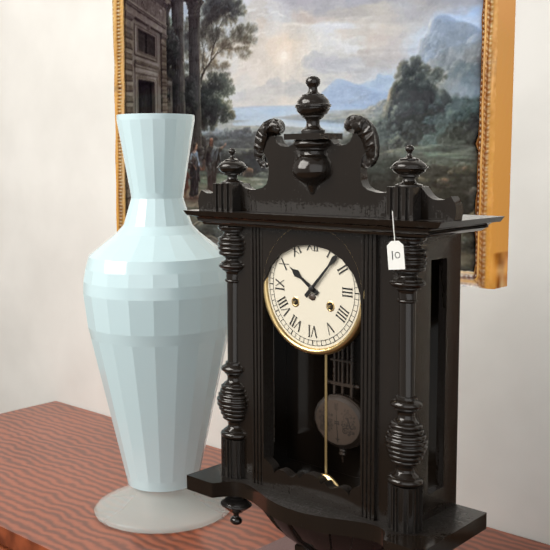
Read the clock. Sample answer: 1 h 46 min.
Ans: 10 h 07 min
